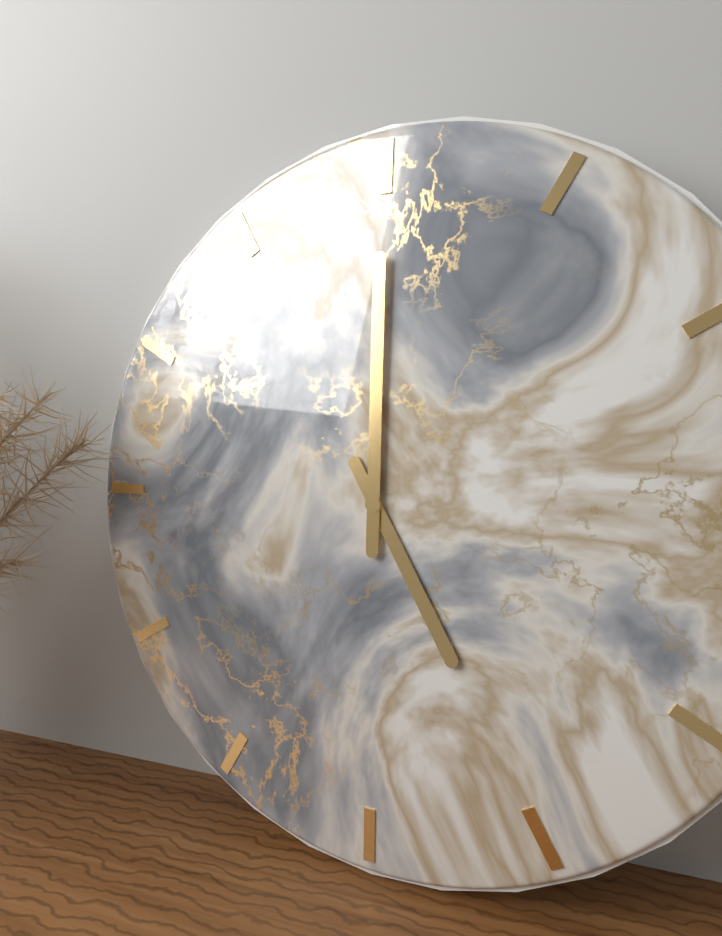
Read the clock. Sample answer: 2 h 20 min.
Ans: 5 h 00 min
